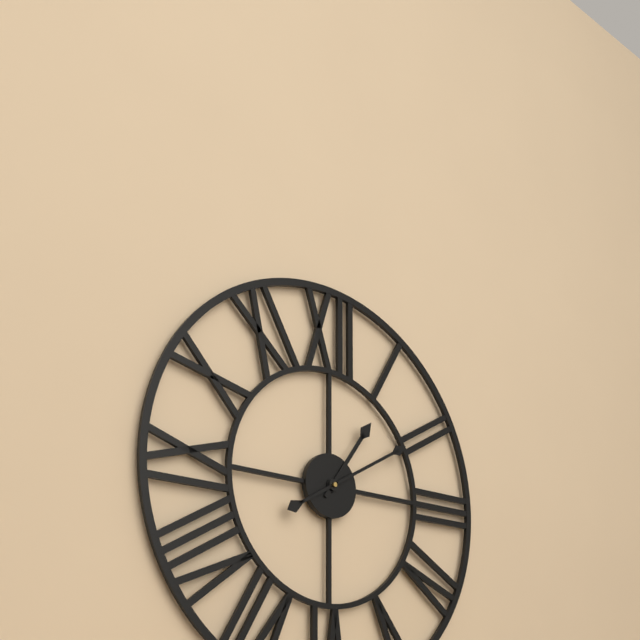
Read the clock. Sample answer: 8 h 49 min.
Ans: 1 h 10 min
